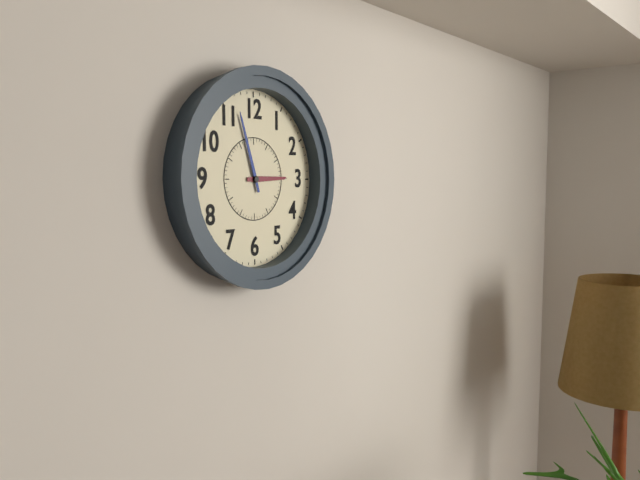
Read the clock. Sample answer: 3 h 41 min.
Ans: 2 h 57 min
